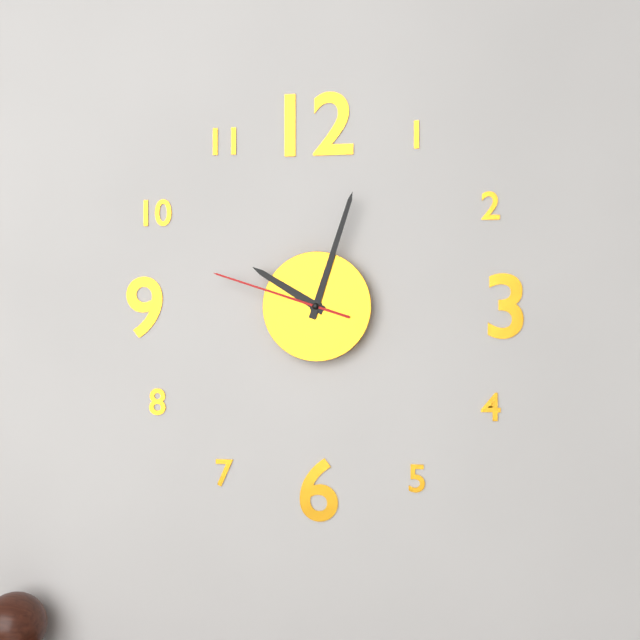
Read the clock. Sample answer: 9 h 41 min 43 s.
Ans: 10 h 03 min 48 s
